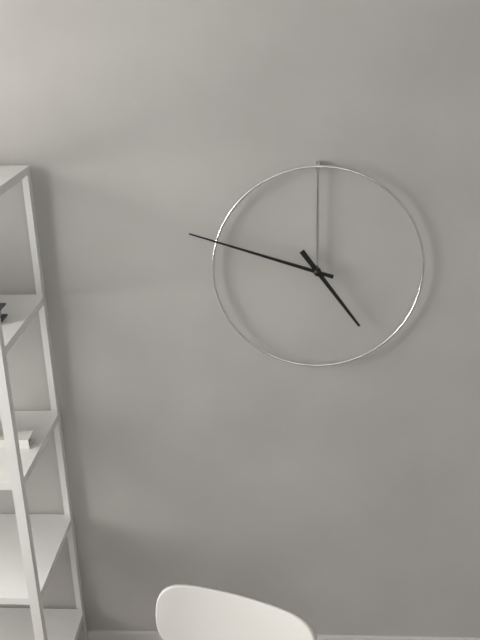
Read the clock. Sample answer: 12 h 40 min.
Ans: 4 h 48 min
